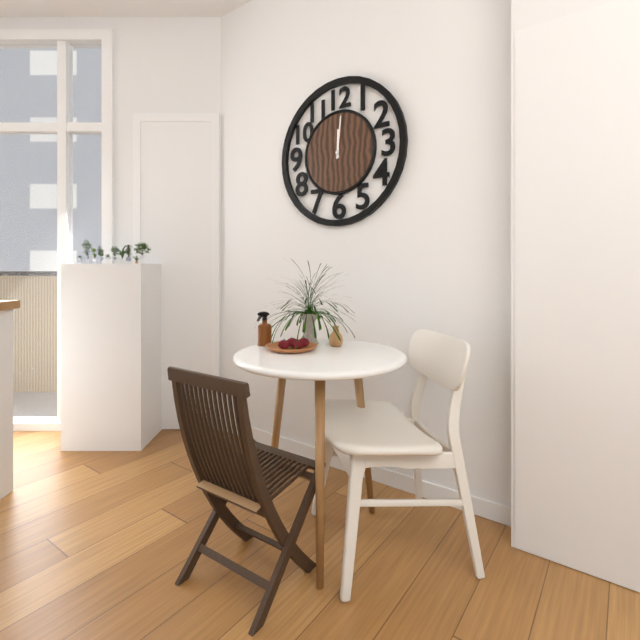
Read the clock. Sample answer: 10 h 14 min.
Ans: 12 h 01 min
